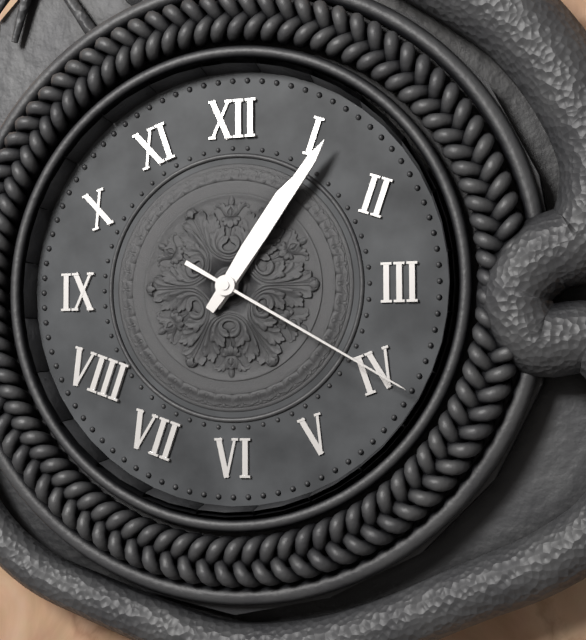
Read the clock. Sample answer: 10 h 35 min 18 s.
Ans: 1 h 06 min 20 s
